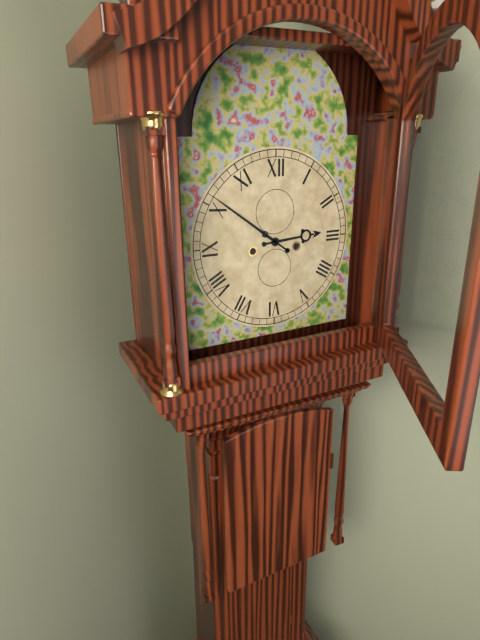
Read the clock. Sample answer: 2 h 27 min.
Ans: 2 h 51 min
